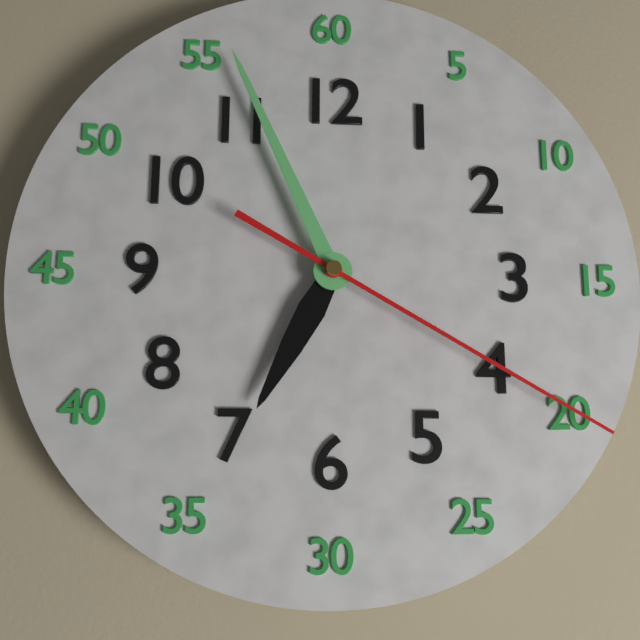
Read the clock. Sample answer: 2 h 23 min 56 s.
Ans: 6 h 56 min 20 s
